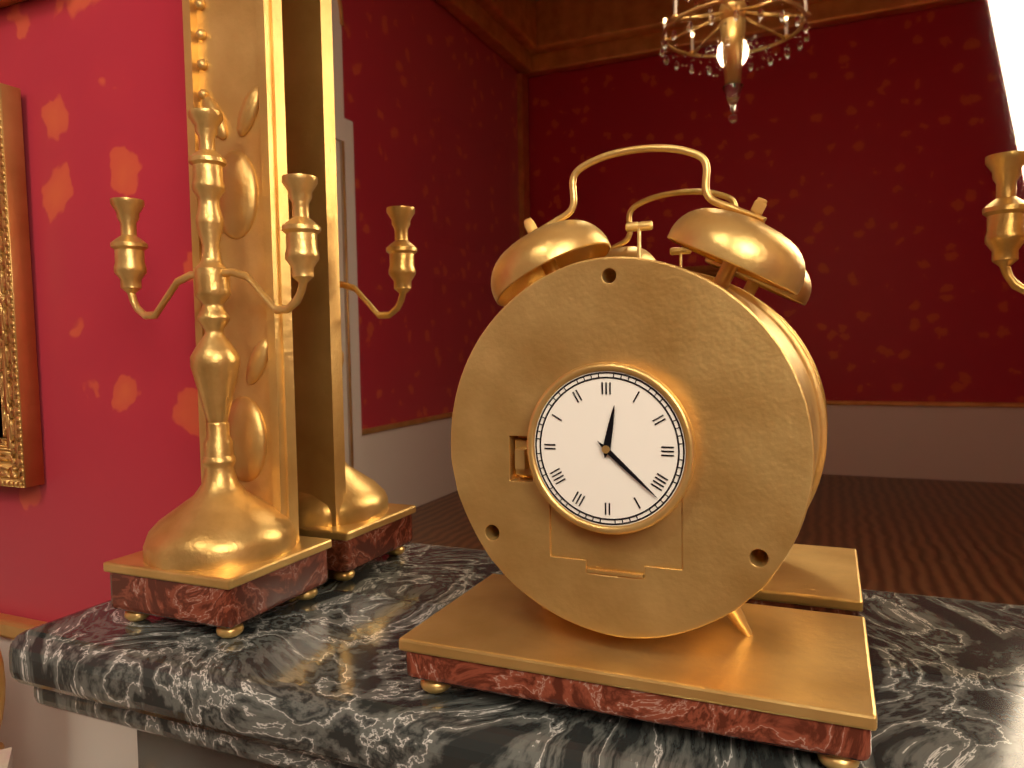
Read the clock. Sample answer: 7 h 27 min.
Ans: 12 h 22 min
